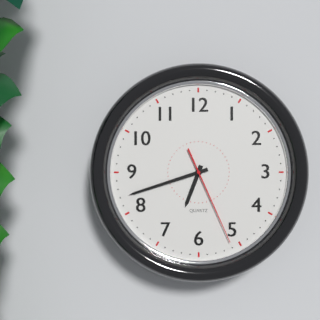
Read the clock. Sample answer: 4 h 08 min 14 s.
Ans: 6 h 42 min 26 s
